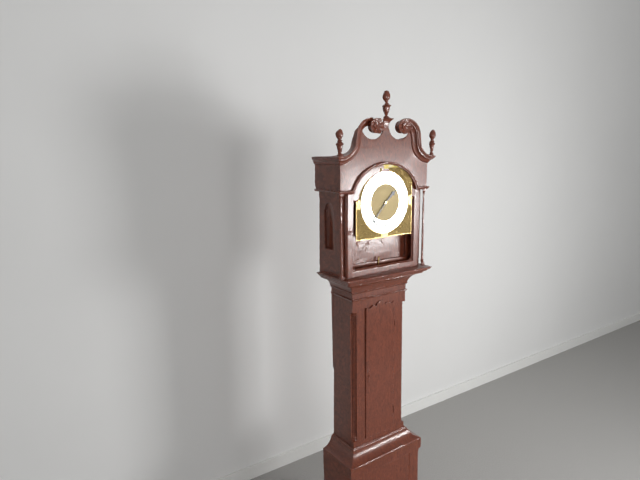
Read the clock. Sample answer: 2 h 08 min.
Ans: 1 h 37 min
